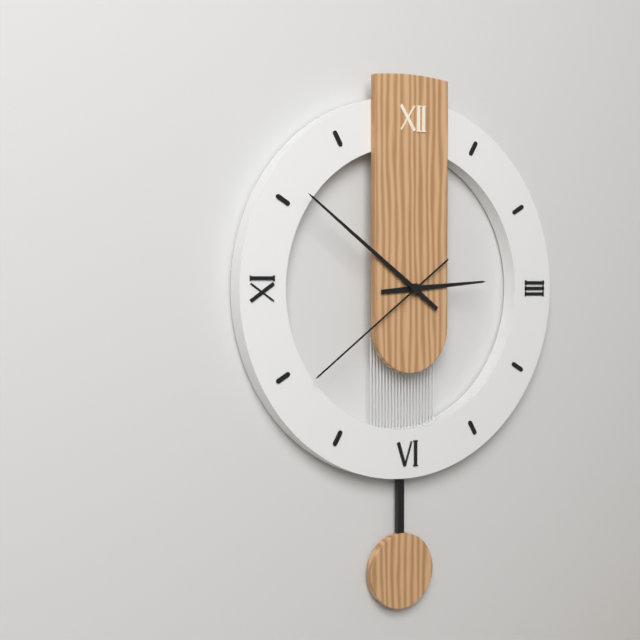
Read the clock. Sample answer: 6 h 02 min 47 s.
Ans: 2 h 51 min 39 s
